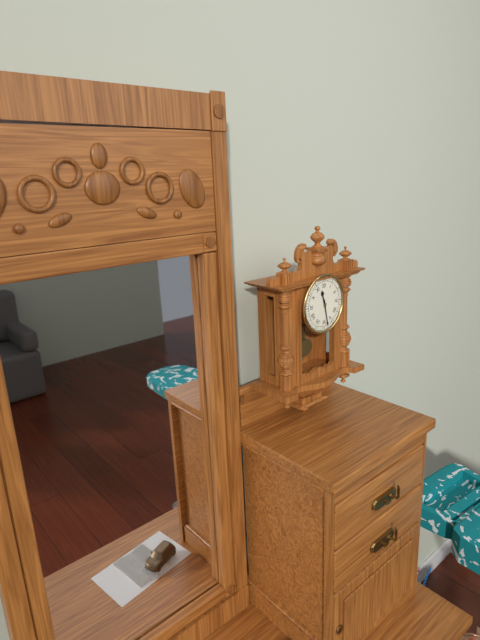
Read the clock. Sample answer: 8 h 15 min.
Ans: 11 h 28 min
